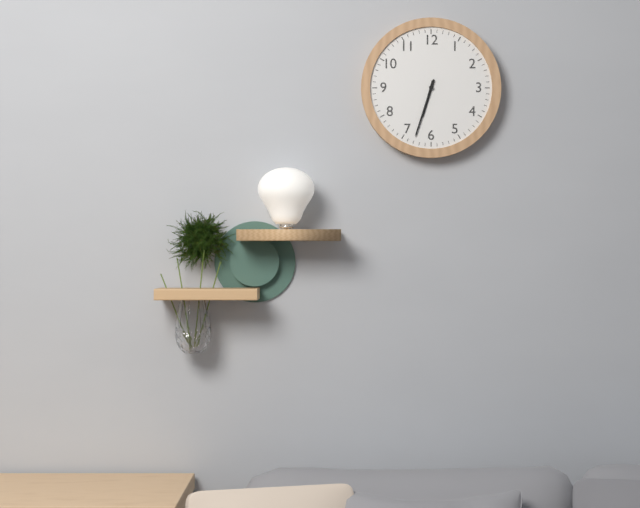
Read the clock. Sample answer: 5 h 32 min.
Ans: 6 h 33 min
